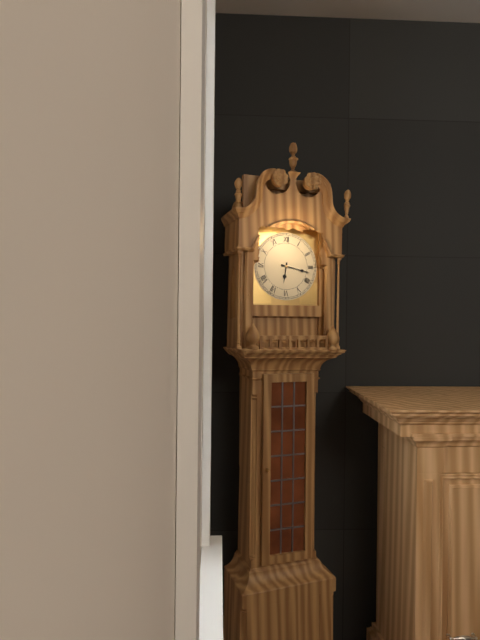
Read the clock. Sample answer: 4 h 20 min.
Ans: 6 h 17 min
